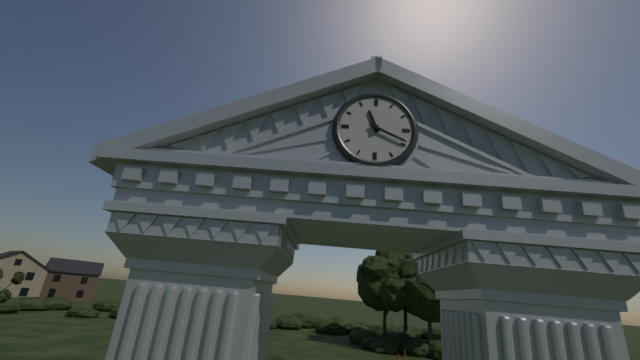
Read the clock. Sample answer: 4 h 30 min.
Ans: 11 h 19 min
